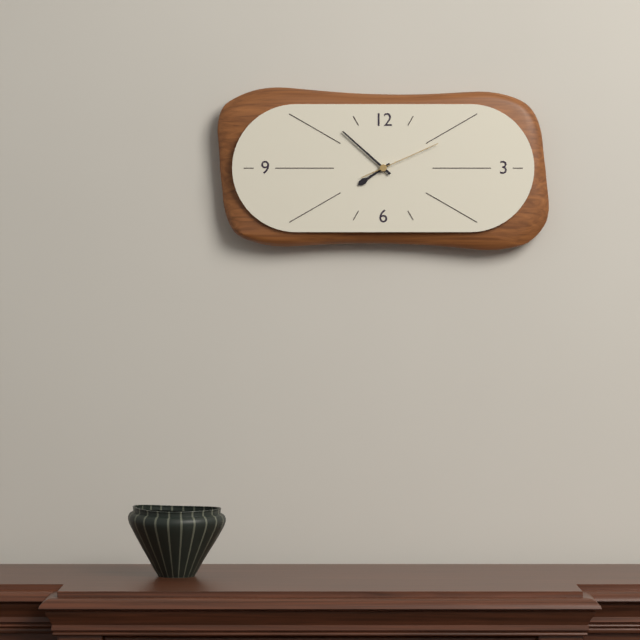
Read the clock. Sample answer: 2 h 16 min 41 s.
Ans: 7 h 52 min 11 s
